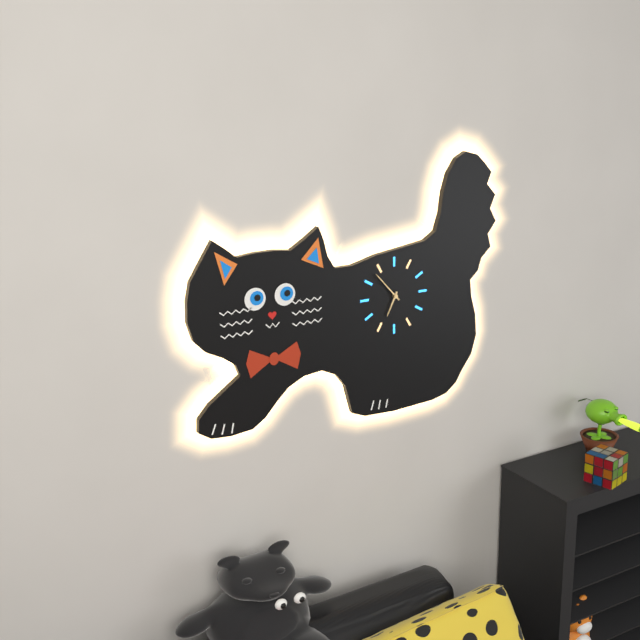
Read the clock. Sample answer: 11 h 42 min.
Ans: 6 h 53 min
